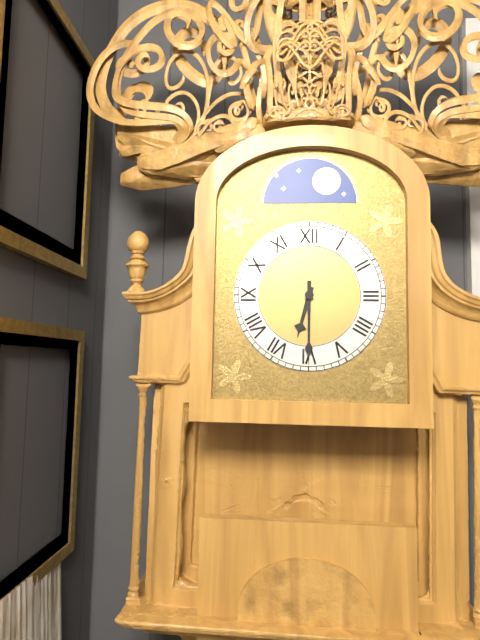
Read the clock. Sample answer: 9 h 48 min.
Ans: 6 h 30 min
